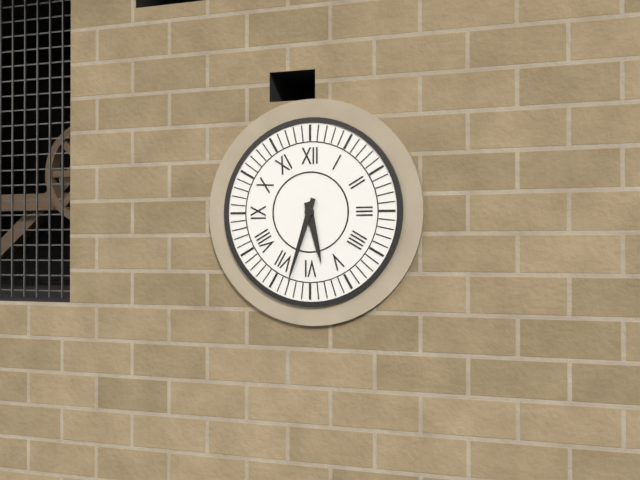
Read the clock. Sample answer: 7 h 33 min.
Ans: 5 h 33 min
